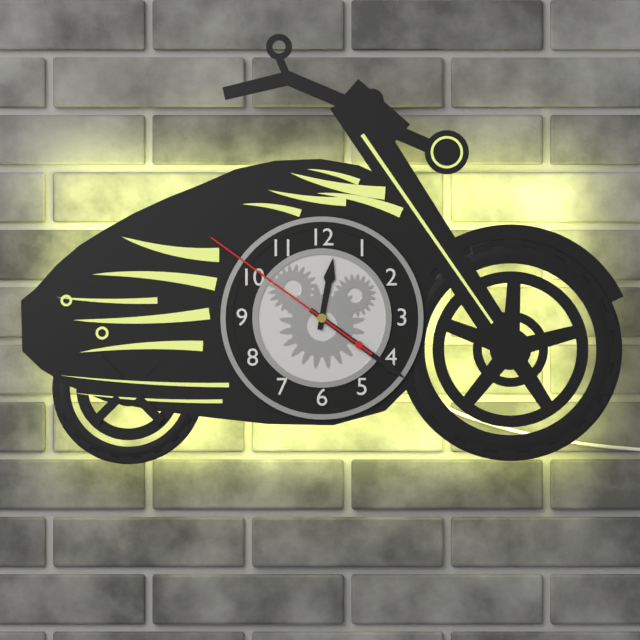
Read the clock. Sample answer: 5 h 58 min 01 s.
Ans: 12 h 21 min 51 s
